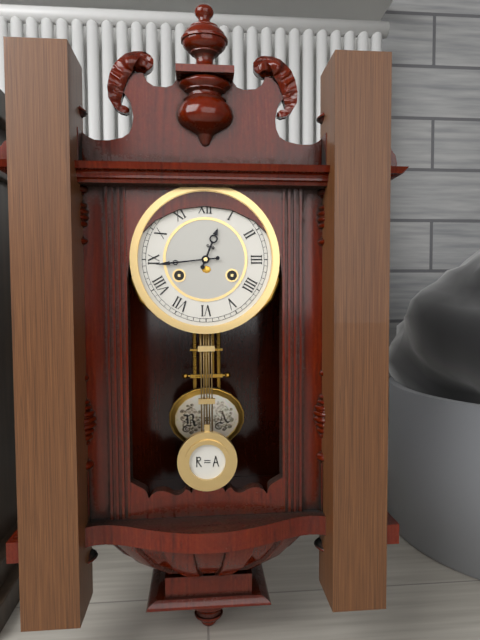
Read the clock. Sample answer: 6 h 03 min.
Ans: 12 h 44 min
